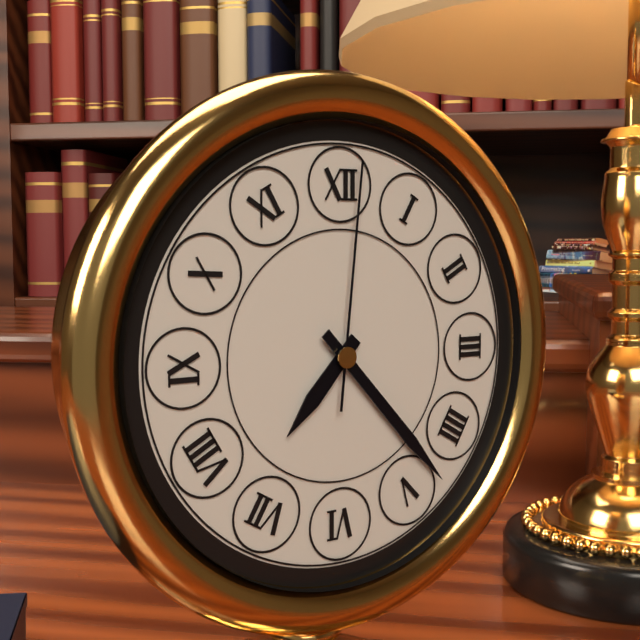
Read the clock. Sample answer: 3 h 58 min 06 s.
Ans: 7 h 23 min 01 s
